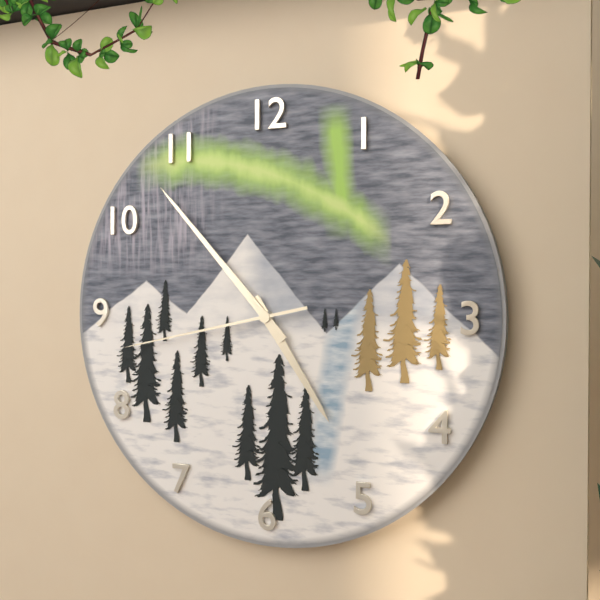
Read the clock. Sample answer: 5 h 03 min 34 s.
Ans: 4 h 53 min 43 s
